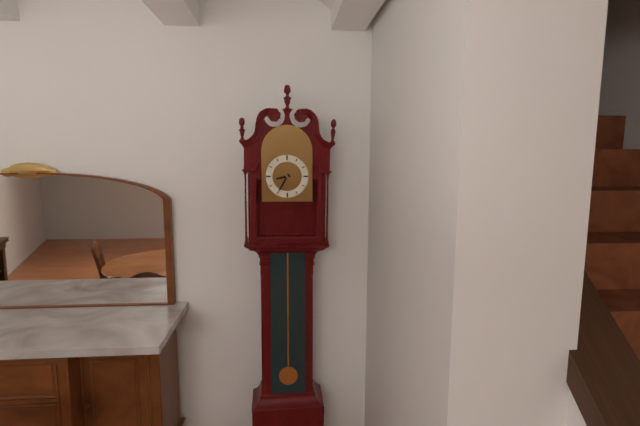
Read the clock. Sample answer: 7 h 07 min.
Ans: 8 h 35 min
